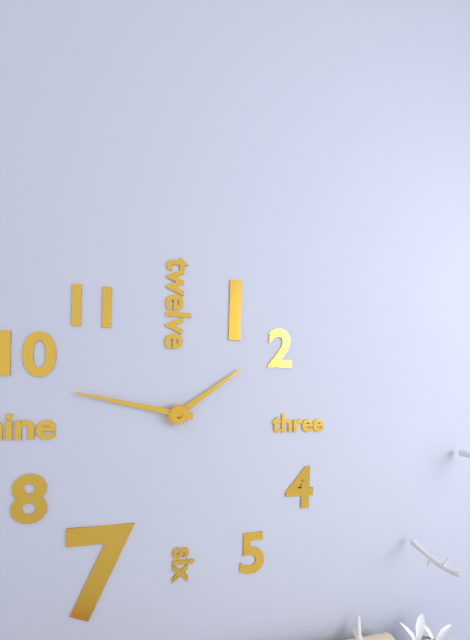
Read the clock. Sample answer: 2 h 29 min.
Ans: 1 h 47 min
